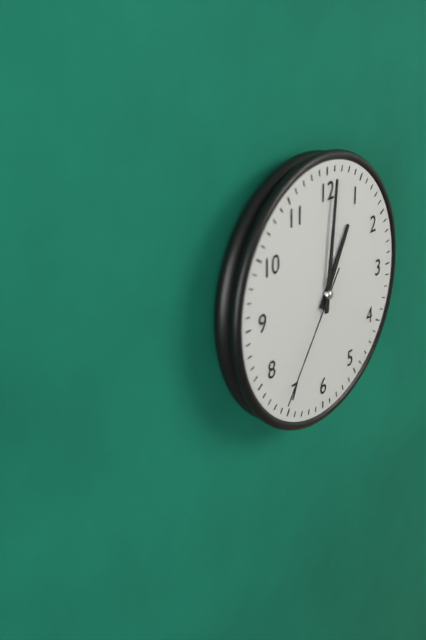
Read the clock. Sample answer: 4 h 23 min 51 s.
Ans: 1 h 01 min 36 s
